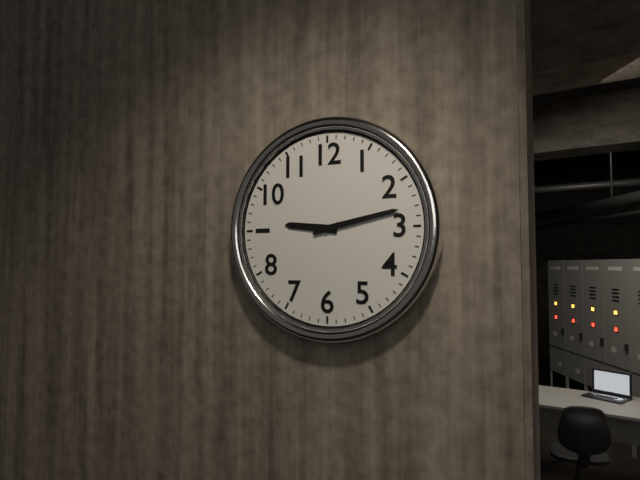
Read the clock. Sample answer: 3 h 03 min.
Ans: 9 h 13 min
